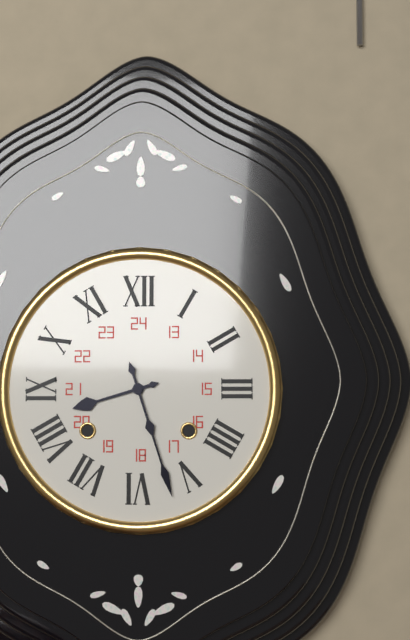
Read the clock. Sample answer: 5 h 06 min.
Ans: 8 h 27 min
